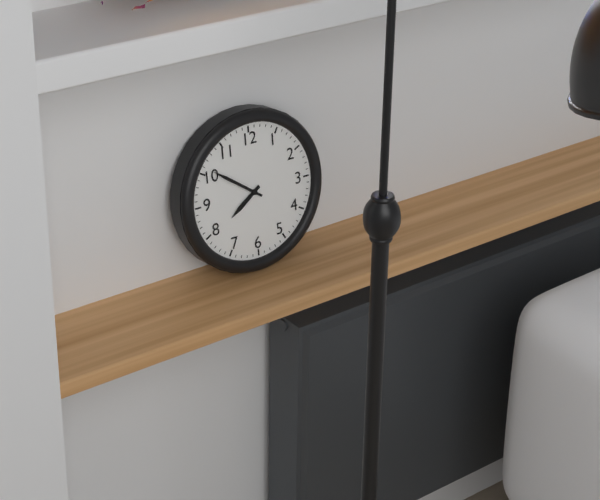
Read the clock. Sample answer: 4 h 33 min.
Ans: 7 h 51 min
